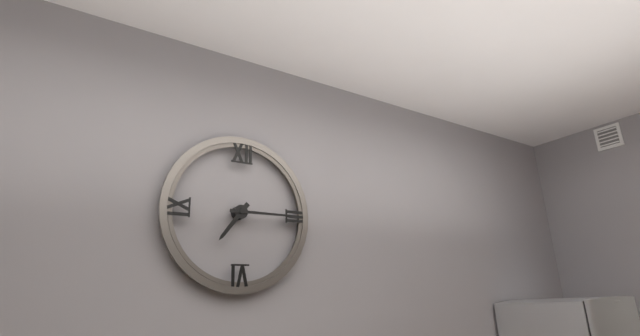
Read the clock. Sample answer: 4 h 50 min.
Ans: 7 h 15 min
